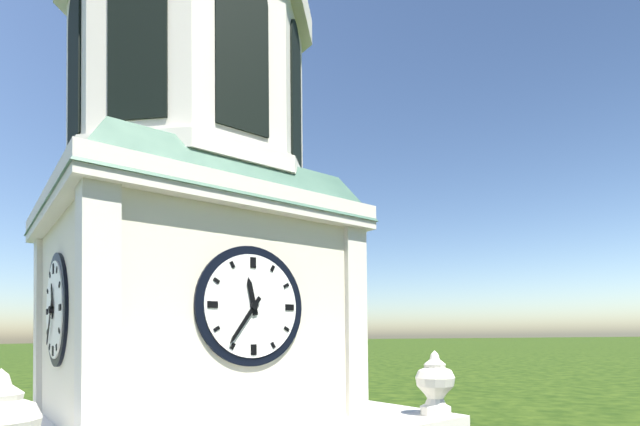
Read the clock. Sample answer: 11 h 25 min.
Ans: 11 h 36 min
